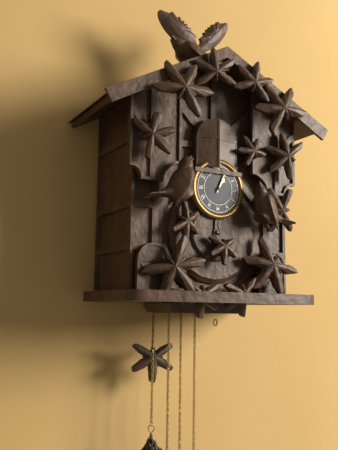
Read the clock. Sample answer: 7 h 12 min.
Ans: 1 h 04 min
